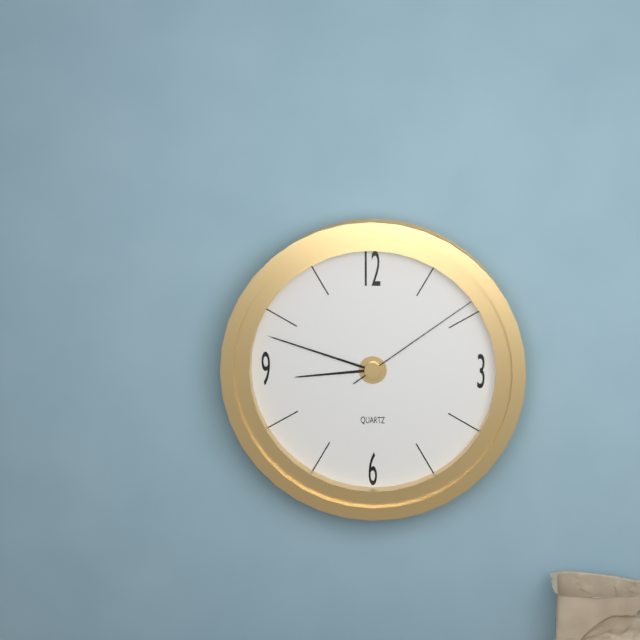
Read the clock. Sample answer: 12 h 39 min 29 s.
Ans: 8 h 48 min 09 s
